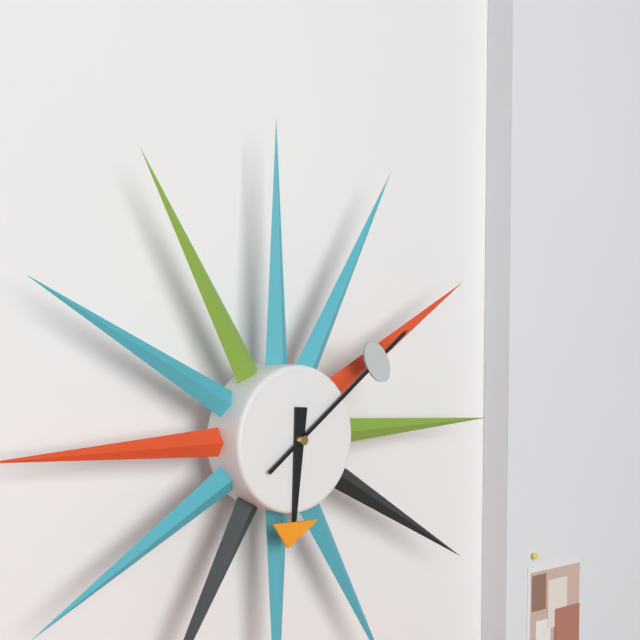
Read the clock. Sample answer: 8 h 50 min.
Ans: 6 h 09 min
